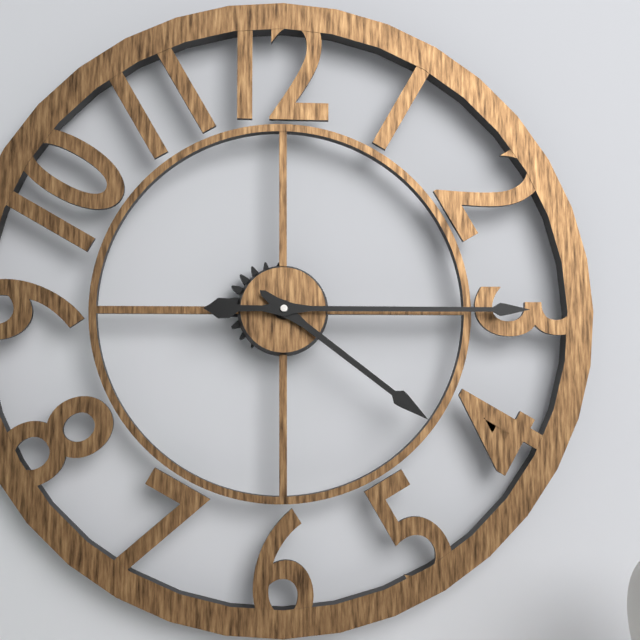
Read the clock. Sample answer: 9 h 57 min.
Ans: 4 h 15 min
